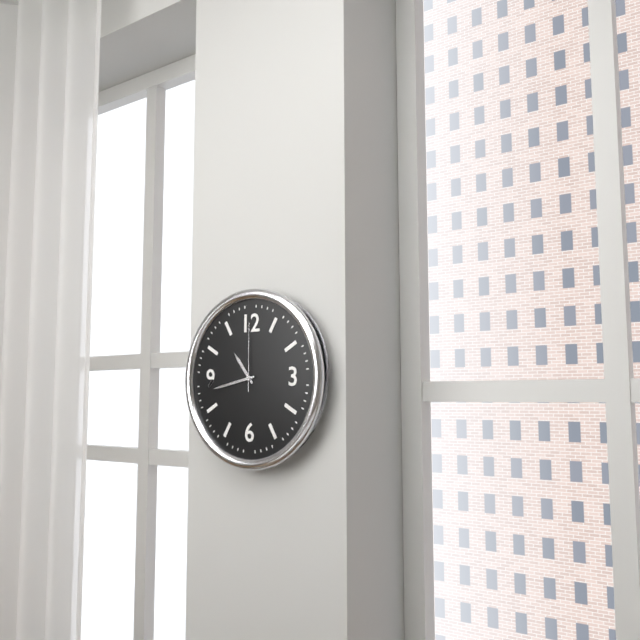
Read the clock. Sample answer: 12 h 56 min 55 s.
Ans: 10 h 43 min 00 s
